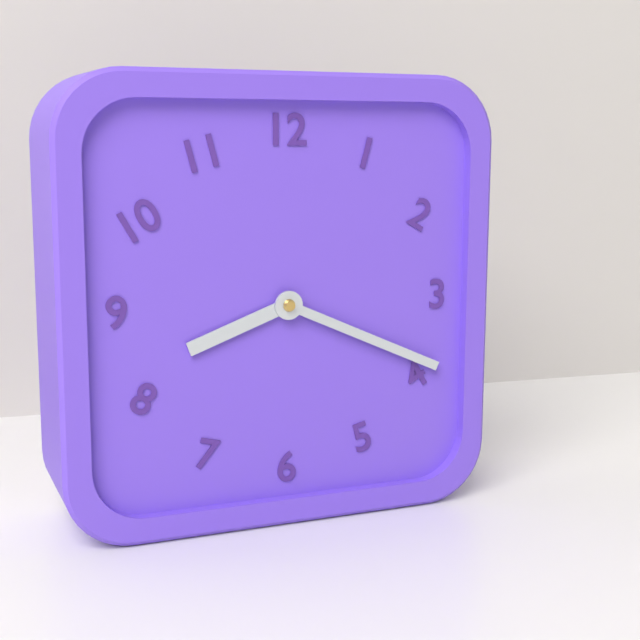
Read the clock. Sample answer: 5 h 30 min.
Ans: 8 h 19 min
